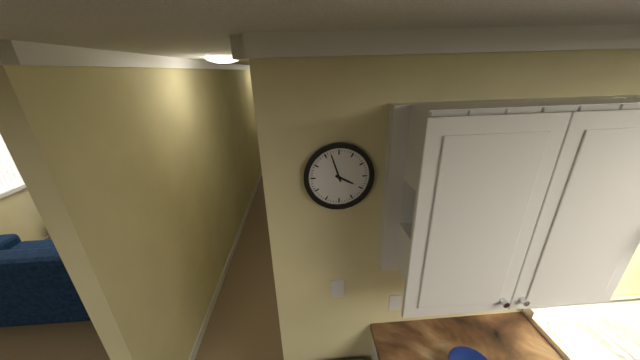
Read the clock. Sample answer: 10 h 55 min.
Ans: 3 h 57 min
